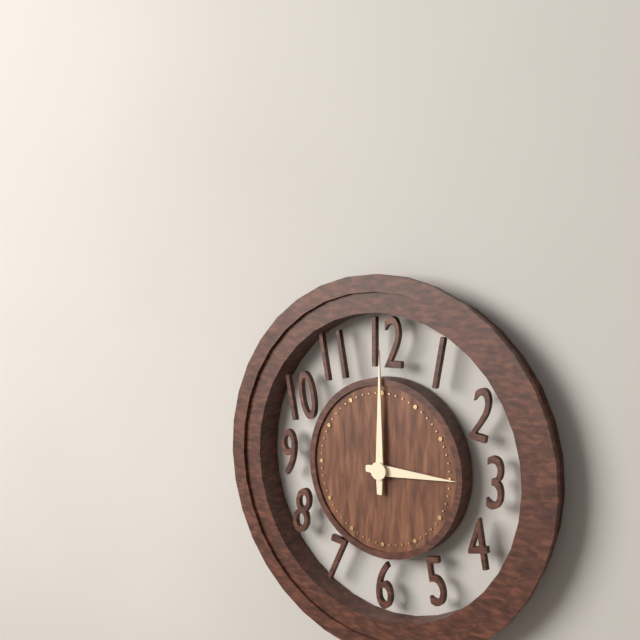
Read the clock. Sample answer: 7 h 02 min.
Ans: 3 h 00 min
